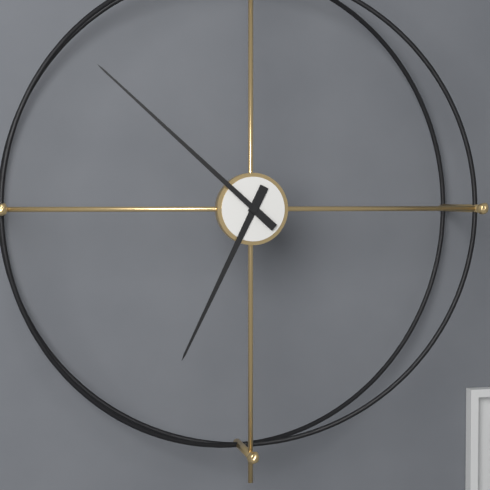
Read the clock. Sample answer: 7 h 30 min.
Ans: 6 h 52 min
